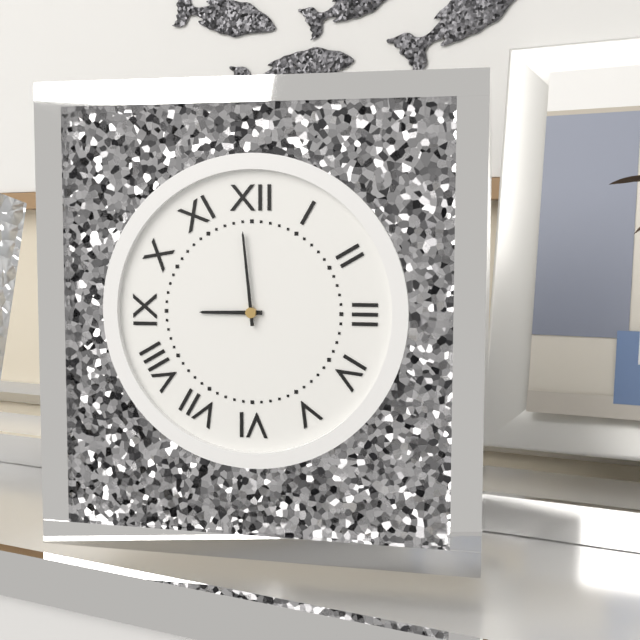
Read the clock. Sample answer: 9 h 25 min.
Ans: 8 h 59 min
